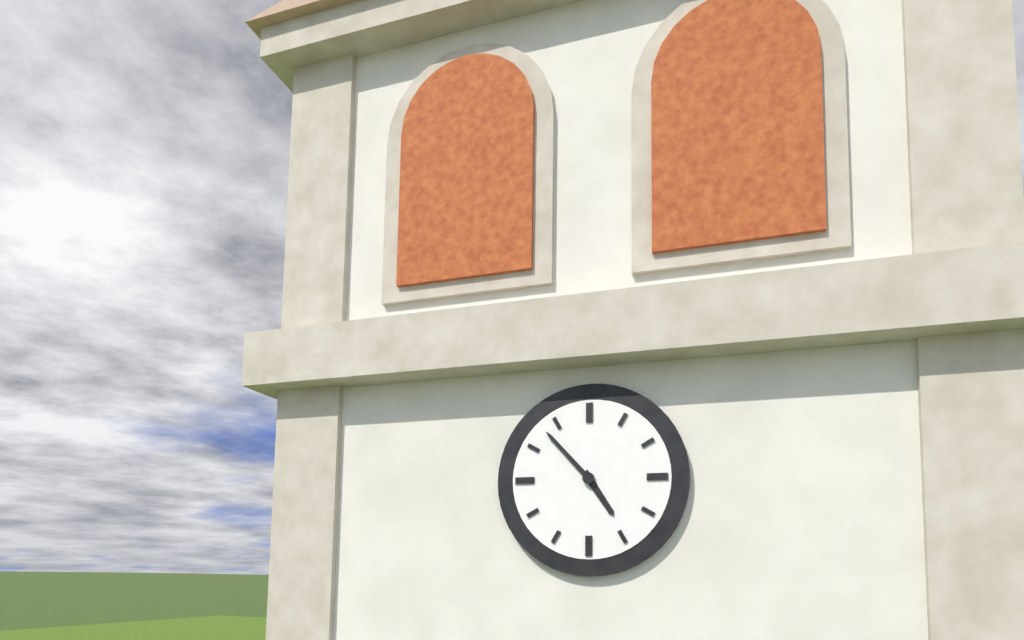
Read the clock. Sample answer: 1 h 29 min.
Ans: 4 h 53 min
